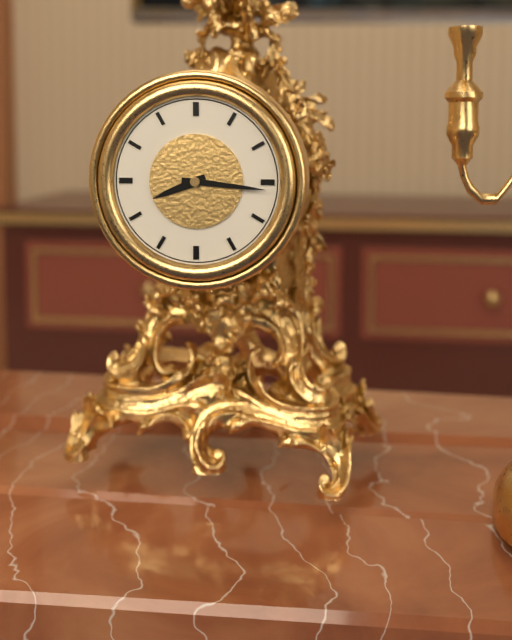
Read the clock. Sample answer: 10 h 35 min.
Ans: 8 h 16 min
